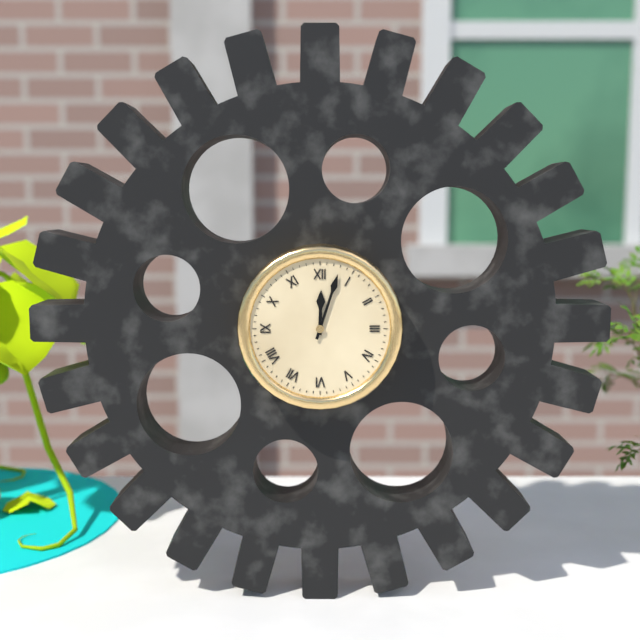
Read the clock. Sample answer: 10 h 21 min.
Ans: 12 h 03 min
